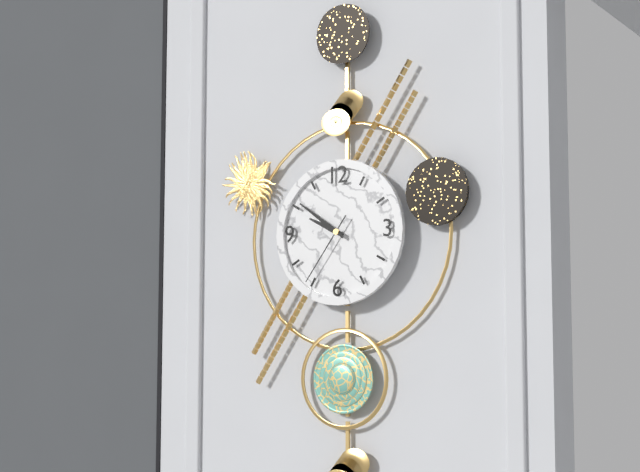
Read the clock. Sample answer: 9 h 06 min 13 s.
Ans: 9 h 51 min 36 s
